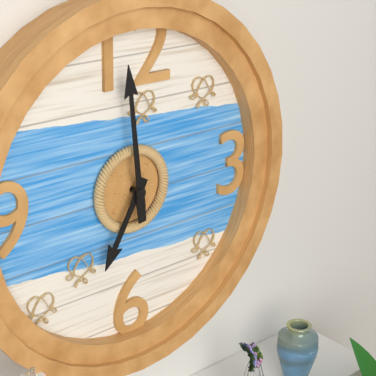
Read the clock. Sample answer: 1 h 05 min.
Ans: 6 h 59 min
